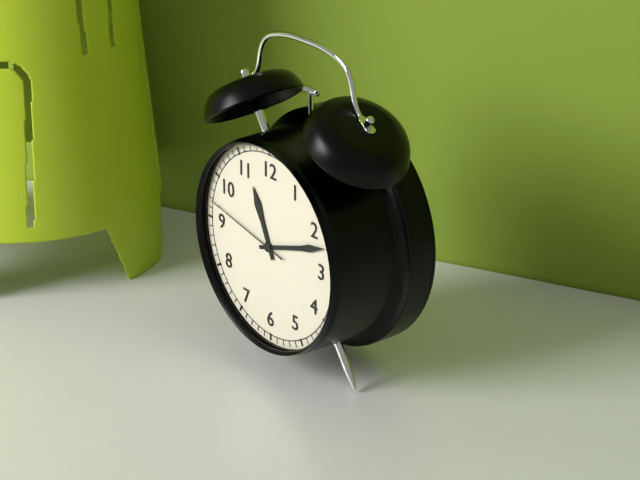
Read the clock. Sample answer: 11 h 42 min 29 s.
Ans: 11 h 12 min 47 s
